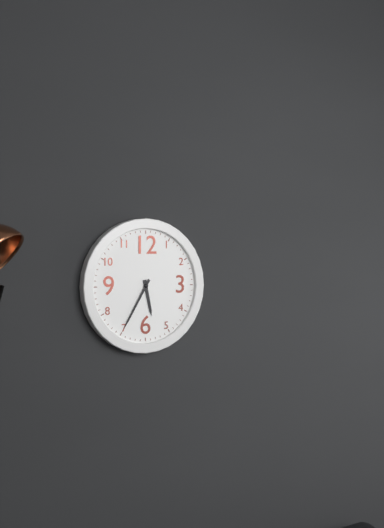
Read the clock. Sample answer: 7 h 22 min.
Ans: 5 h 35 min
